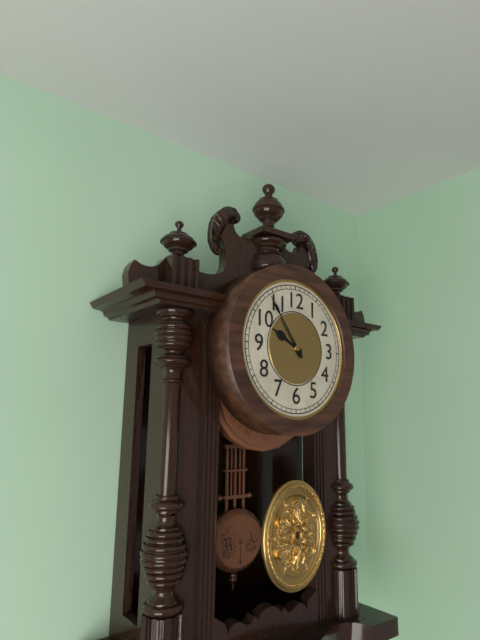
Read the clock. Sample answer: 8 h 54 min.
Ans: 9 h 54 min
